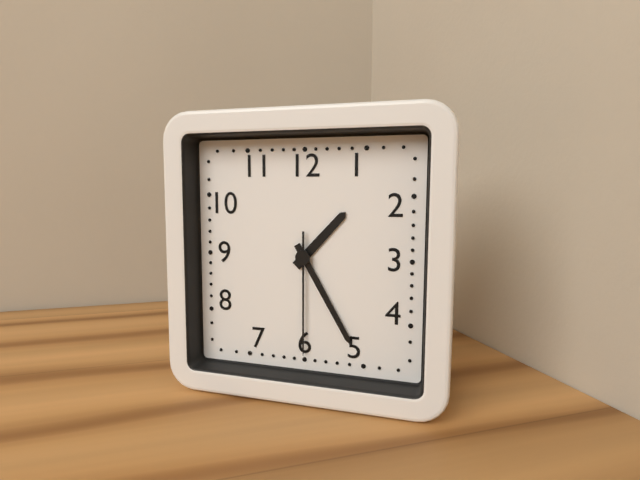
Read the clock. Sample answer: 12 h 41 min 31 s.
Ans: 1 h 25 min 30 s
